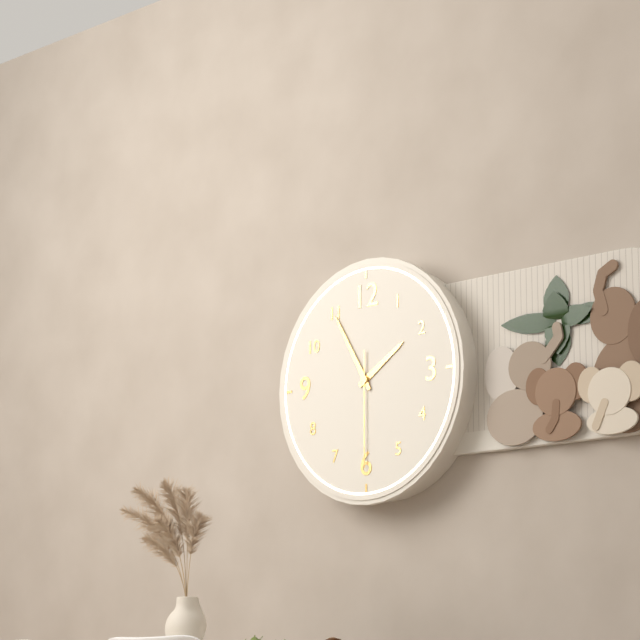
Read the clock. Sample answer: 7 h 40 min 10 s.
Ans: 1 h 55 min 30 s
